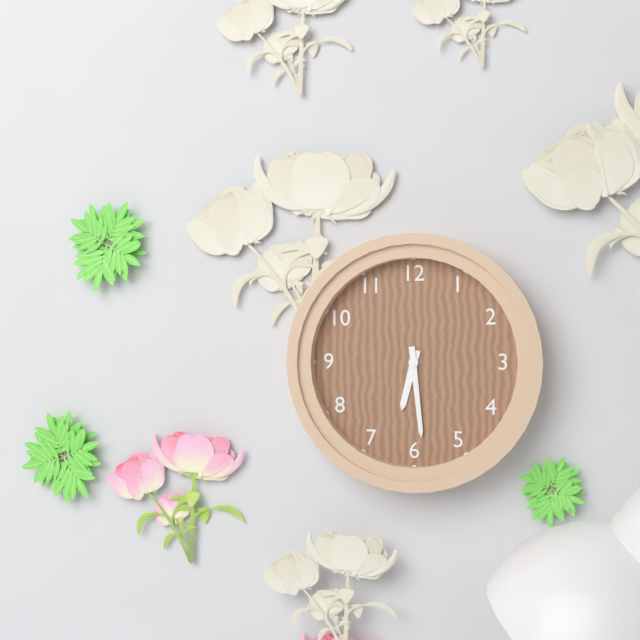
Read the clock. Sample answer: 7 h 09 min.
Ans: 6 h 29 min
